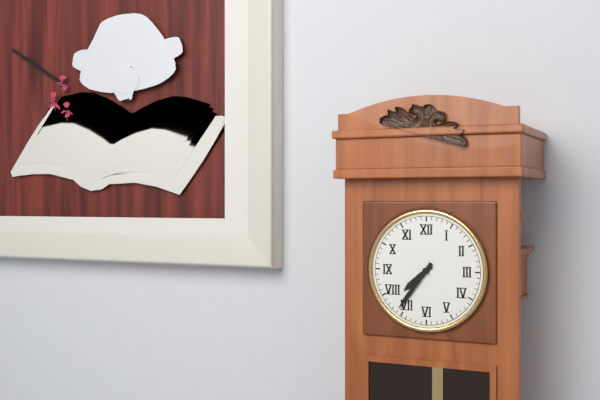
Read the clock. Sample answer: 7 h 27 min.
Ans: 7 h 36 min
